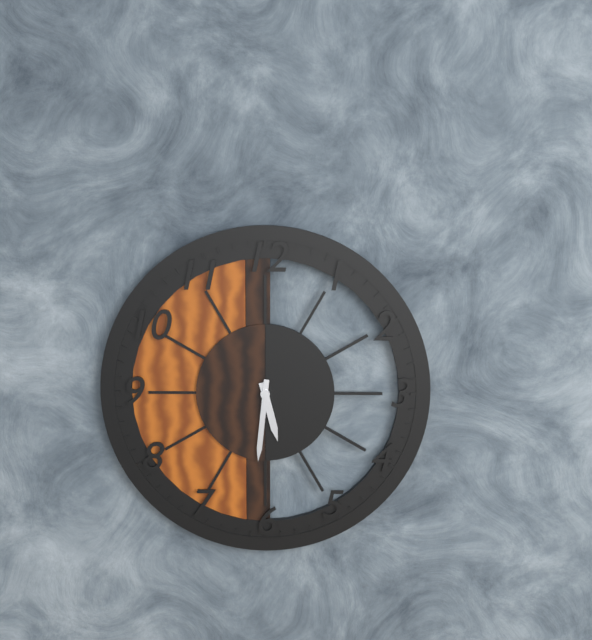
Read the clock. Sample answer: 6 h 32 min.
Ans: 5 h 31 min
